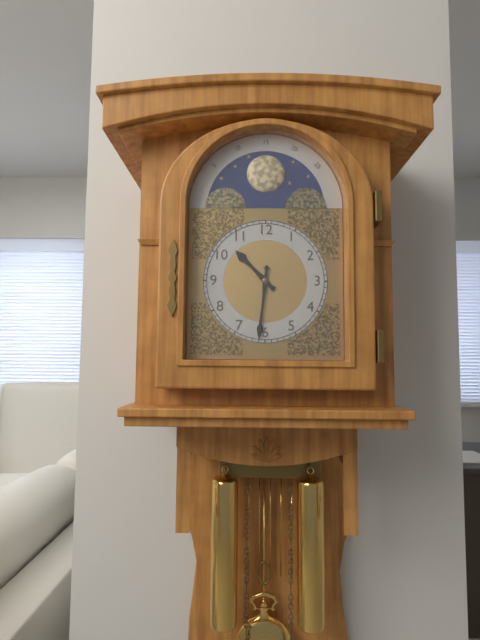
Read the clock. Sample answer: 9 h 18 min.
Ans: 10 h 31 min
